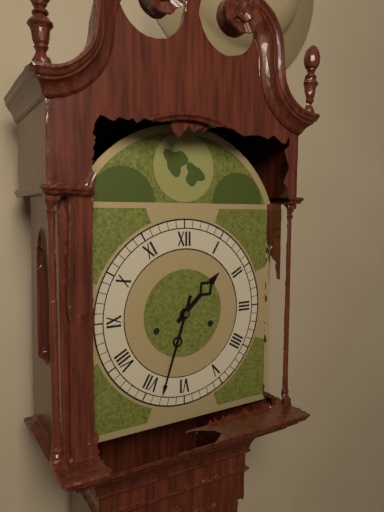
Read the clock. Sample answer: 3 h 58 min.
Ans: 1 h 33 min
